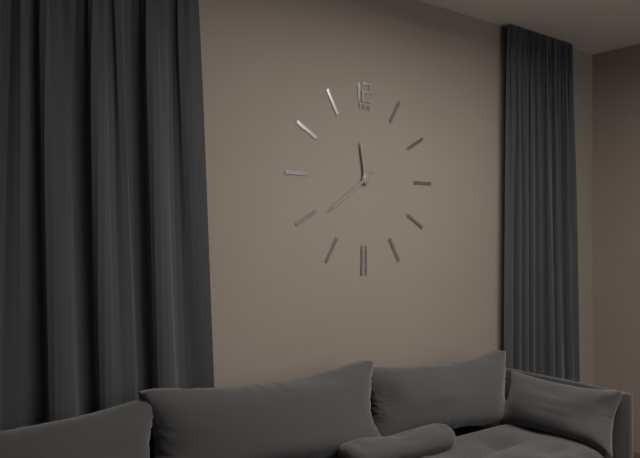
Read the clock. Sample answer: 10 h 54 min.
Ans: 11 h 39 min
